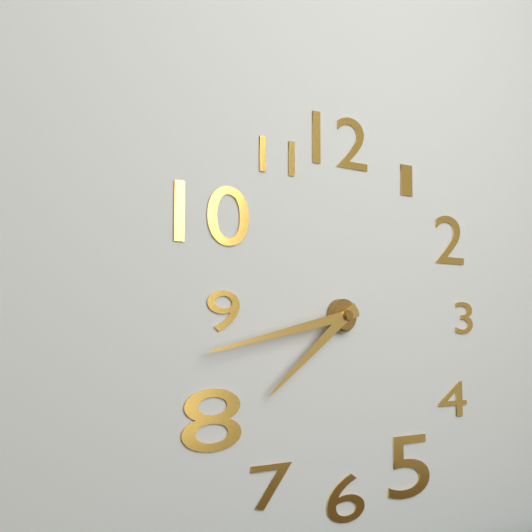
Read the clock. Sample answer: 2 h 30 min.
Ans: 7 h 43 min
